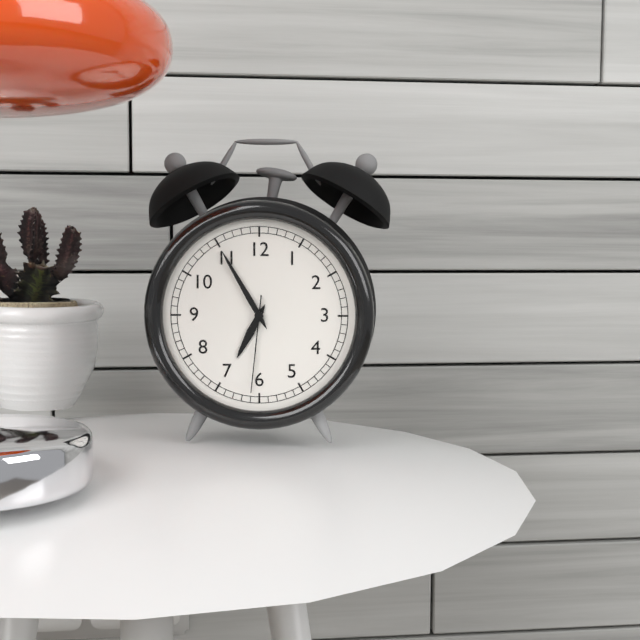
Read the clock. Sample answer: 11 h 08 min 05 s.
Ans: 6 h 55 min 31 s
